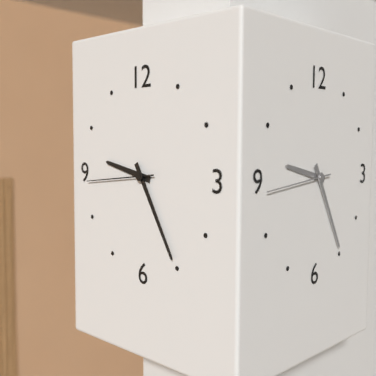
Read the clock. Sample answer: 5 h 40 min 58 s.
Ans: 9 h 25 min 44 s
